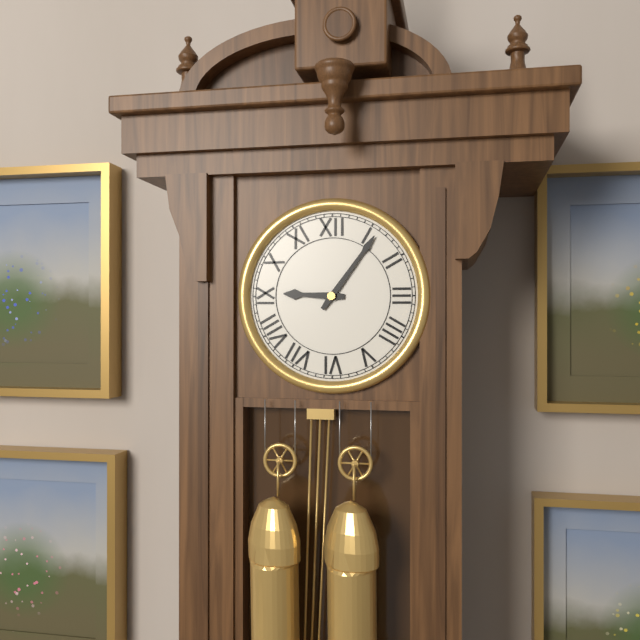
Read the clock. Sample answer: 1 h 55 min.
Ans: 9 h 06 min
